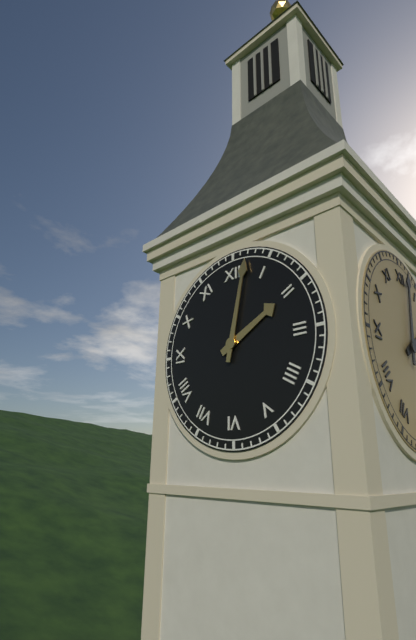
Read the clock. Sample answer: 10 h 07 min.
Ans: 2 h 02 min
